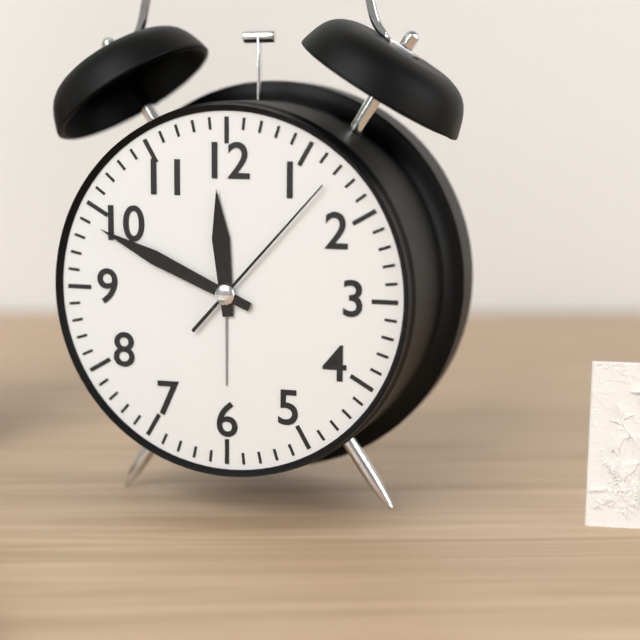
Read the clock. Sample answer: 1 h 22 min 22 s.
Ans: 11 h 49 min 07 s
